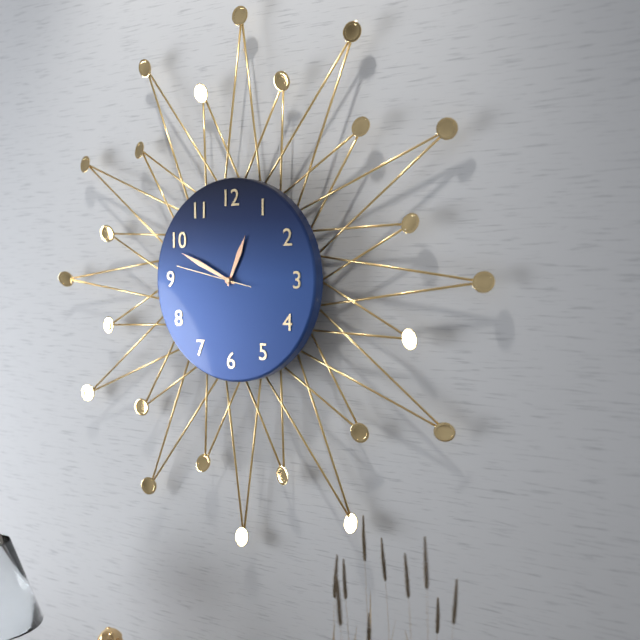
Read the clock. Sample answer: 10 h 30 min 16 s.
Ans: 12 h 49 min 47 s
